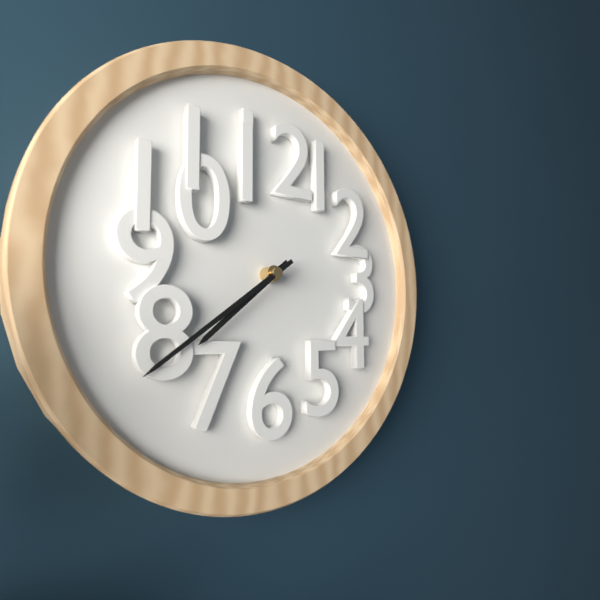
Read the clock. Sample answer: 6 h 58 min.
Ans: 7 h 39 min
